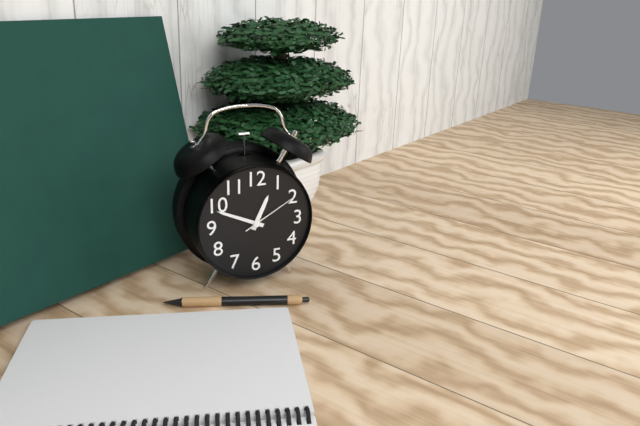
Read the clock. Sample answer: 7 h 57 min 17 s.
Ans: 12 h 49 min 10 s
